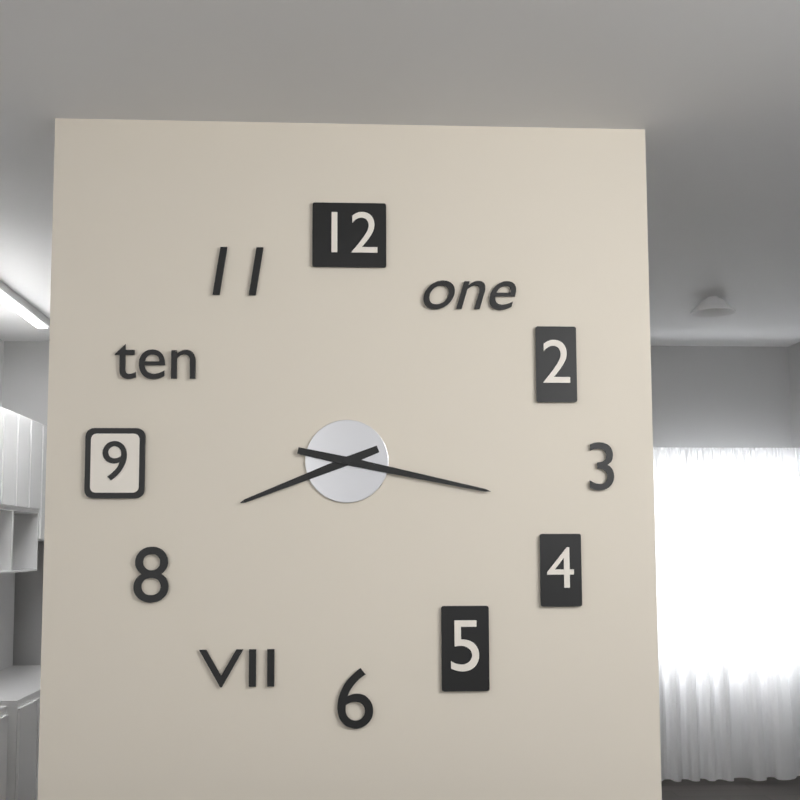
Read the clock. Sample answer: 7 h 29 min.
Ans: 8 h 17 min
